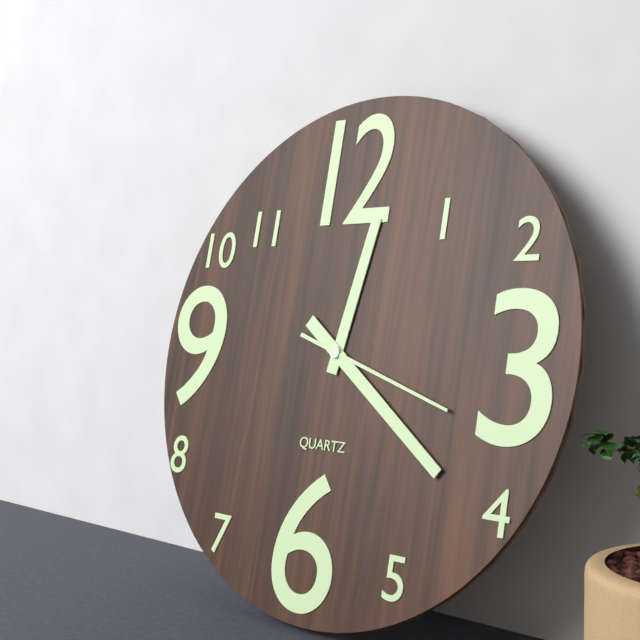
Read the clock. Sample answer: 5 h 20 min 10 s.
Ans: 12 h 21 min 18 s
